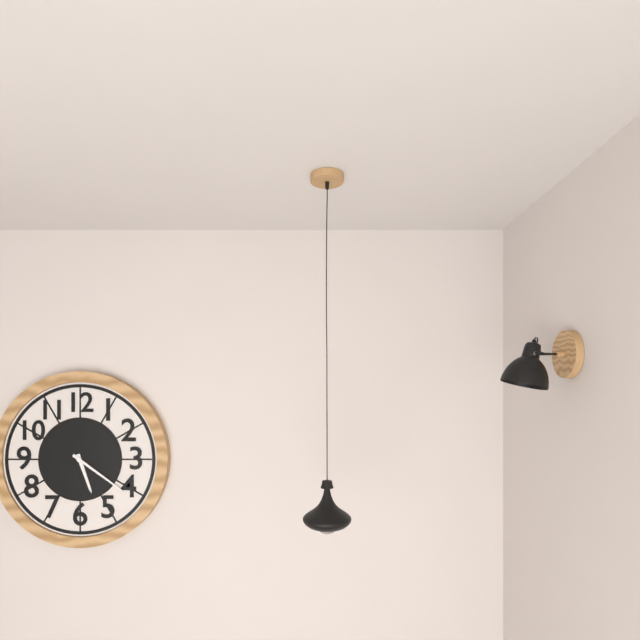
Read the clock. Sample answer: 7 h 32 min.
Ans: 5 h 21 min
